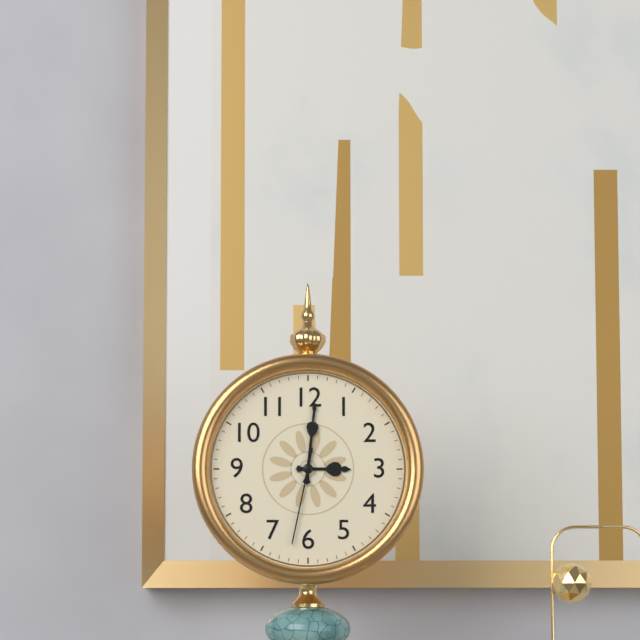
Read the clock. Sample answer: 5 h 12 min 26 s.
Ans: 3 h 01 min 32 s
